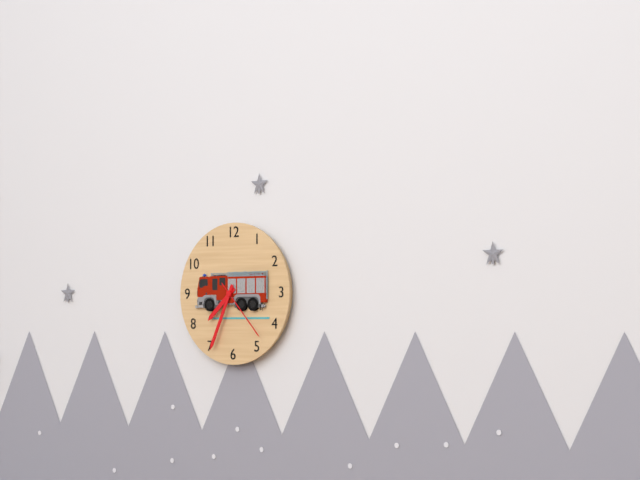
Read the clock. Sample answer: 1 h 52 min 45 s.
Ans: 7 h 34 min 23 s
